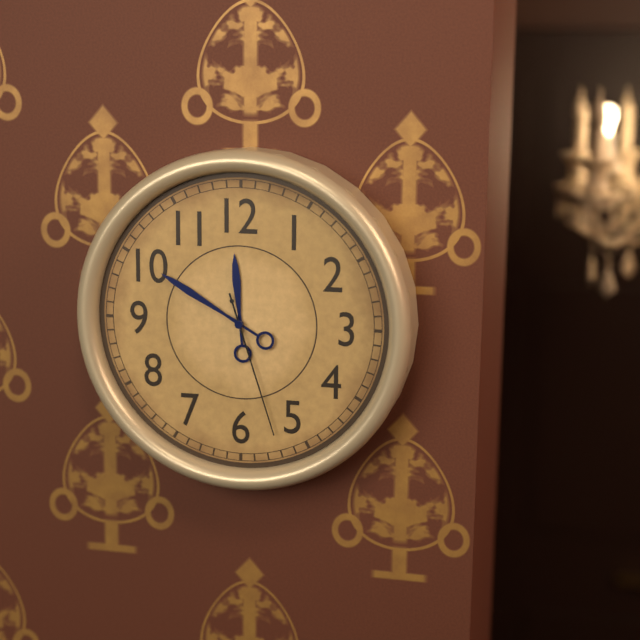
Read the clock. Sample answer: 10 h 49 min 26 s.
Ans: 11 h 50 min 27 s
